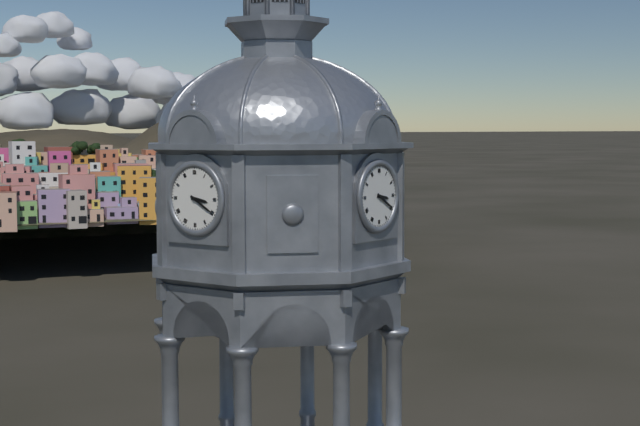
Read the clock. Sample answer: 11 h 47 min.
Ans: 3 h 20 min
